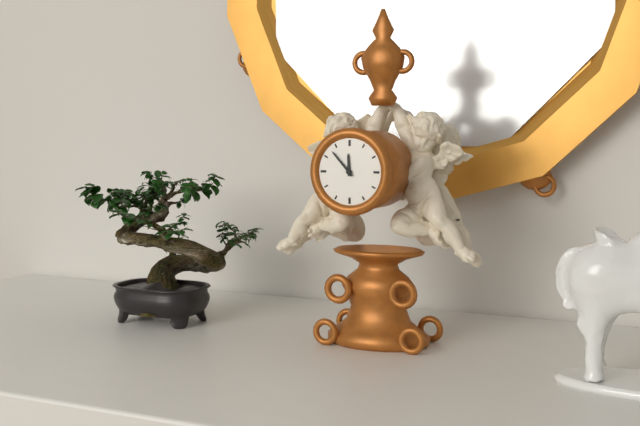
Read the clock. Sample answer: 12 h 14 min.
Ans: 11 h 53 min
